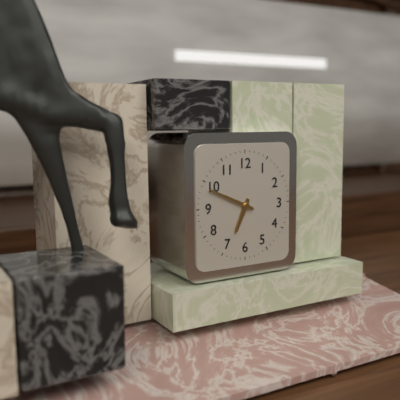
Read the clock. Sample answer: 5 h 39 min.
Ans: 6 h 49 min
